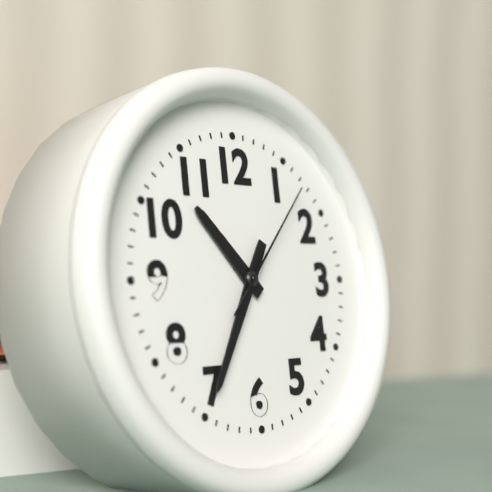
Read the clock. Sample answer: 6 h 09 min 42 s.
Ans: 10 h 35 min 07 s
